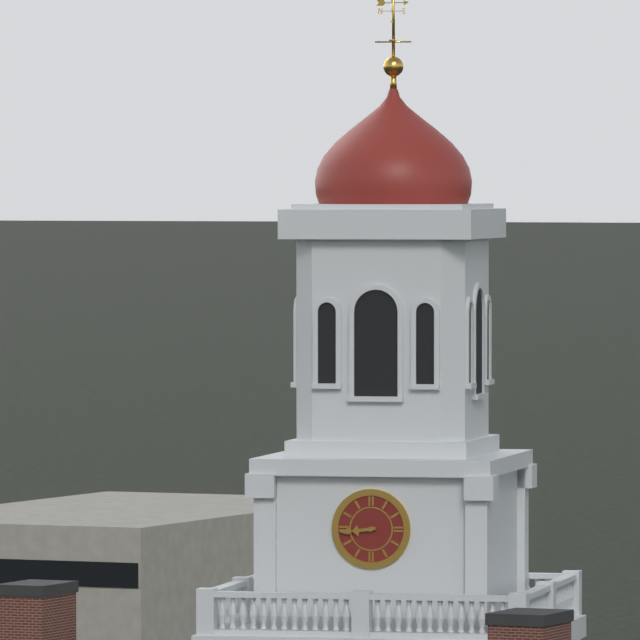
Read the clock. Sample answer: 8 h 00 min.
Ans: 8 h 44 min
